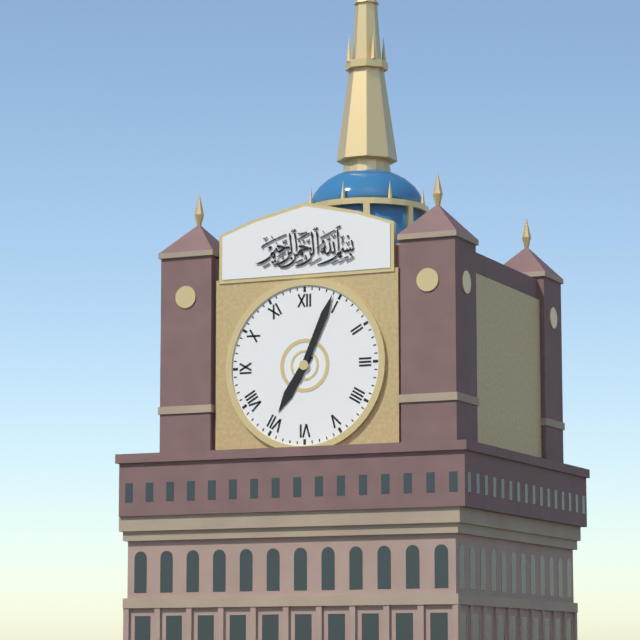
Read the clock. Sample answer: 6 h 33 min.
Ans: 7 h 04 min
